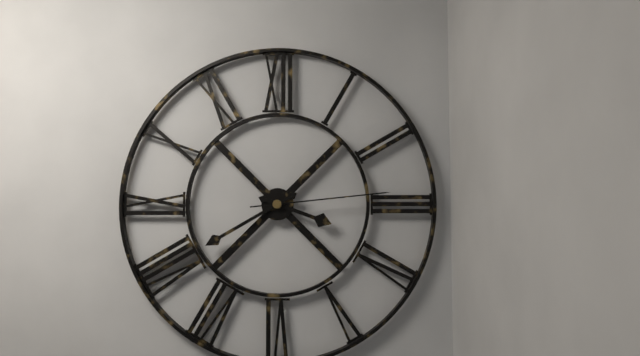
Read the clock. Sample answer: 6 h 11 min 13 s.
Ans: 3 h 40 min 14 s
